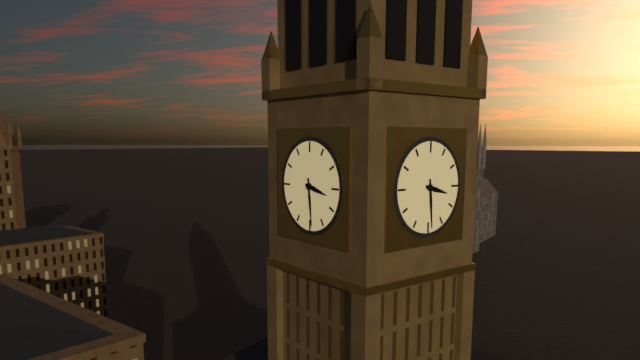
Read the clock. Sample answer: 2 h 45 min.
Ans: 3 h 29 min
